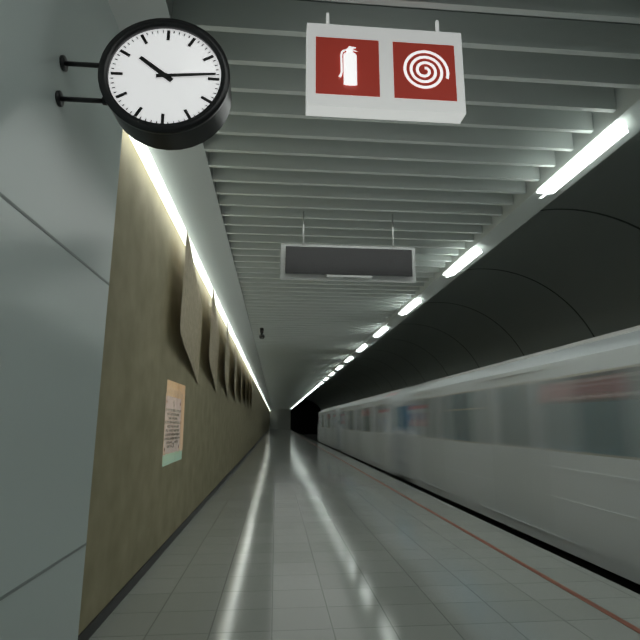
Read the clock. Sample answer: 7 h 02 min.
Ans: 10 h 14 min
